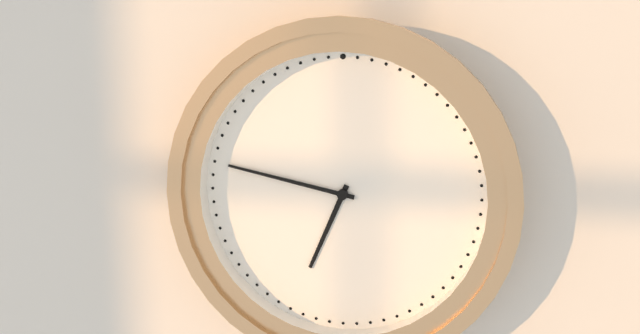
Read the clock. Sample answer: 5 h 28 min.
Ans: 6 h 47 min
